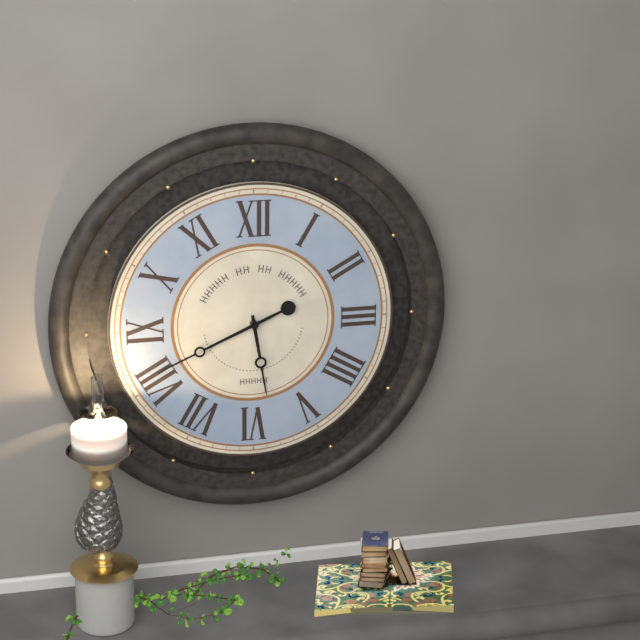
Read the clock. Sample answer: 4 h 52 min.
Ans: 5 h 41 min
